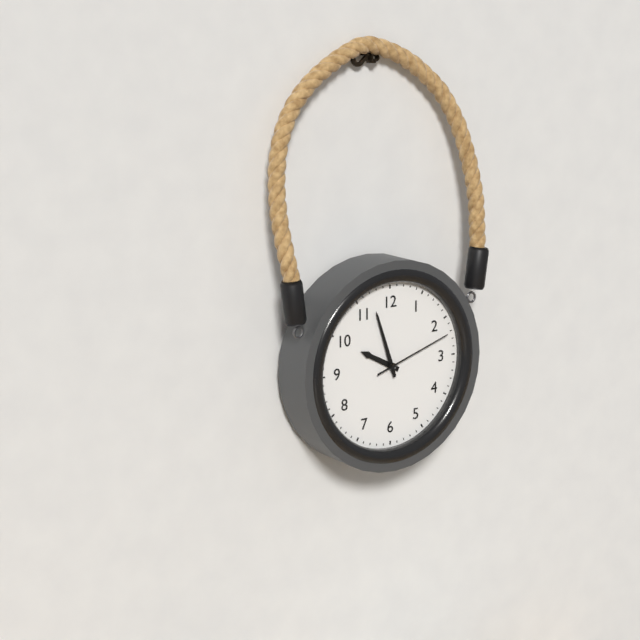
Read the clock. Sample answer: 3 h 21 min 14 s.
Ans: 9 h 57 min 12 s
